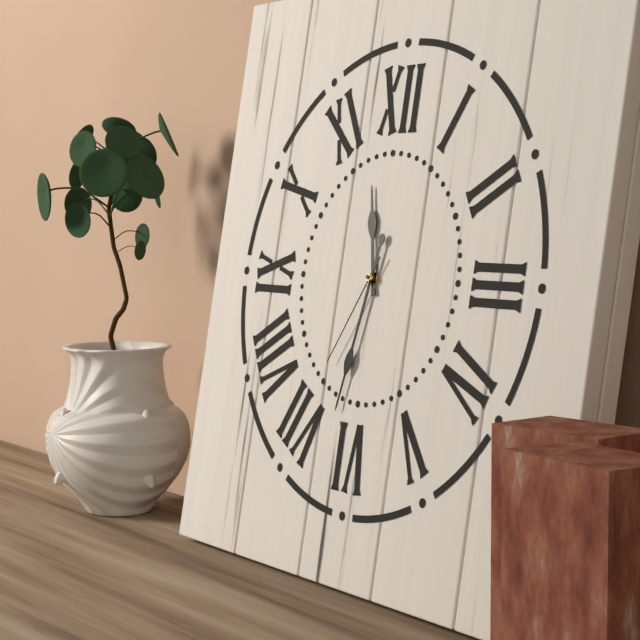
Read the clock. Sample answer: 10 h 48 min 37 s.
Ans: 11 h 32 min 35 s
